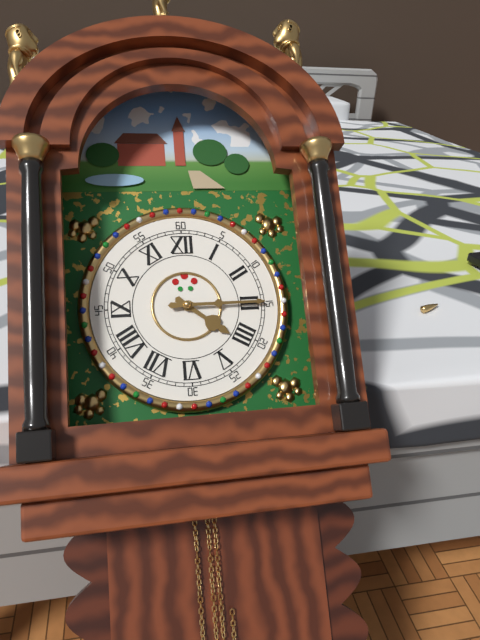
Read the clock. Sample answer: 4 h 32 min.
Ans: 4 h 15 min
